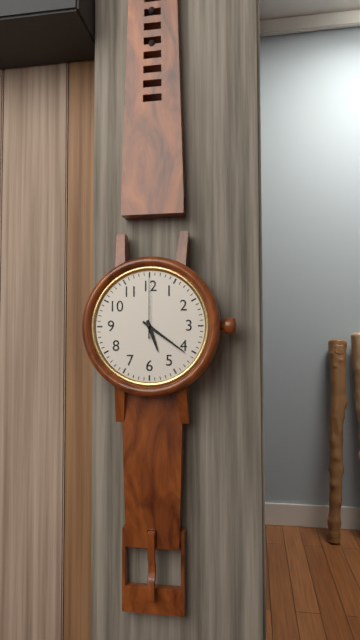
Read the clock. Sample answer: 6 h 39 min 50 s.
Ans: 5 h 21 min 00 s
